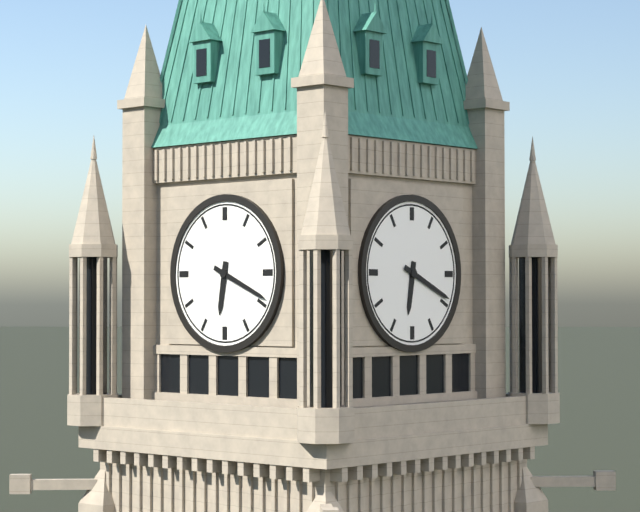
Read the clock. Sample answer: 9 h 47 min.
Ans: 6 h 19 min
